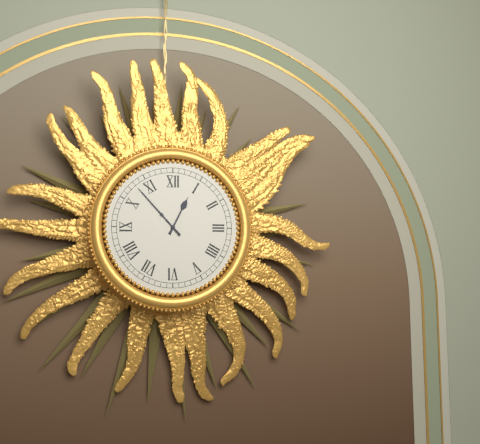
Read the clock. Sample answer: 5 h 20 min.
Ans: 12 h 53 min
